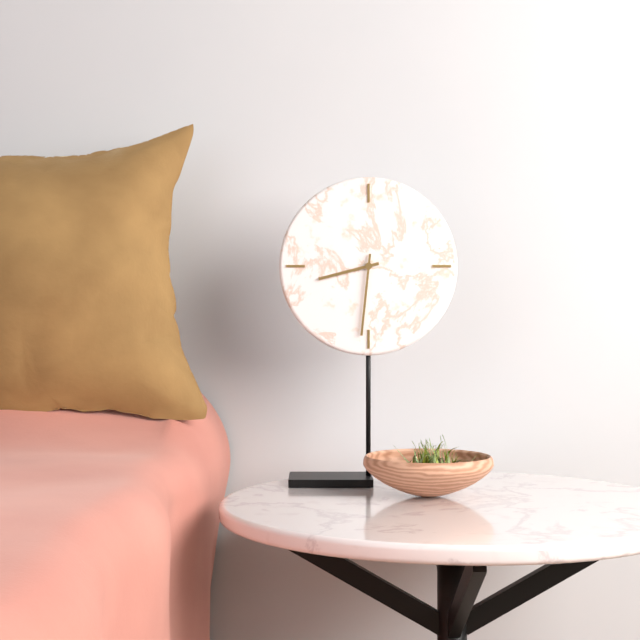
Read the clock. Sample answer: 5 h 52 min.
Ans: 8 h 31 min
